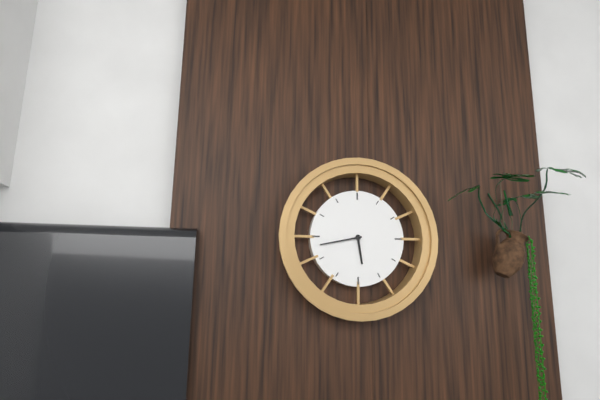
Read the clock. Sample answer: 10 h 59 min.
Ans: 5 h 43 min
